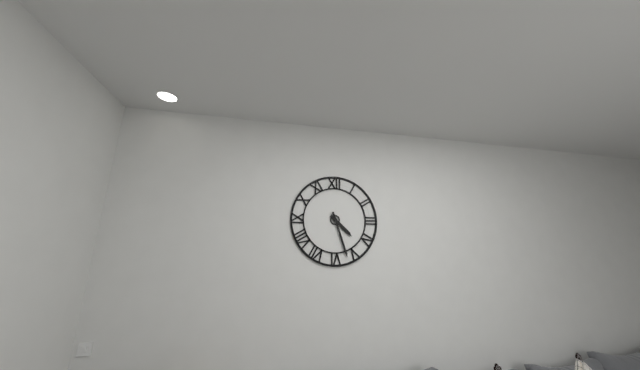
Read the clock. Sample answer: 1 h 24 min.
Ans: 4 h 27 min
